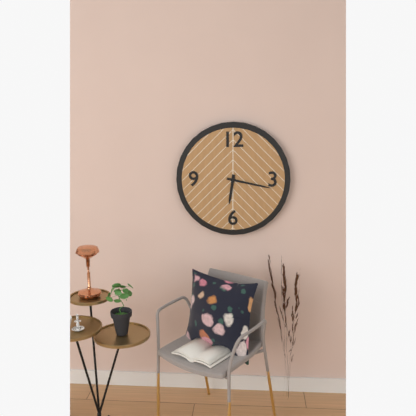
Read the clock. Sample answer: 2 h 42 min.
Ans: 6 h 17 min
